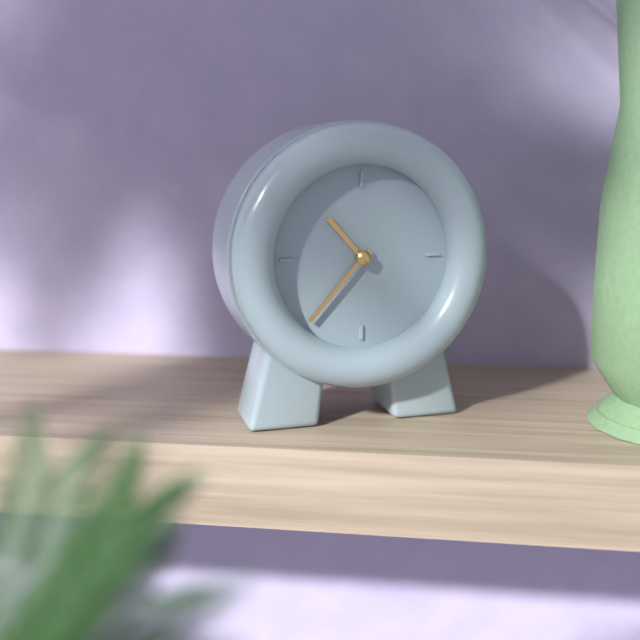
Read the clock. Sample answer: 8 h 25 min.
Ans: 10 h 37 min
